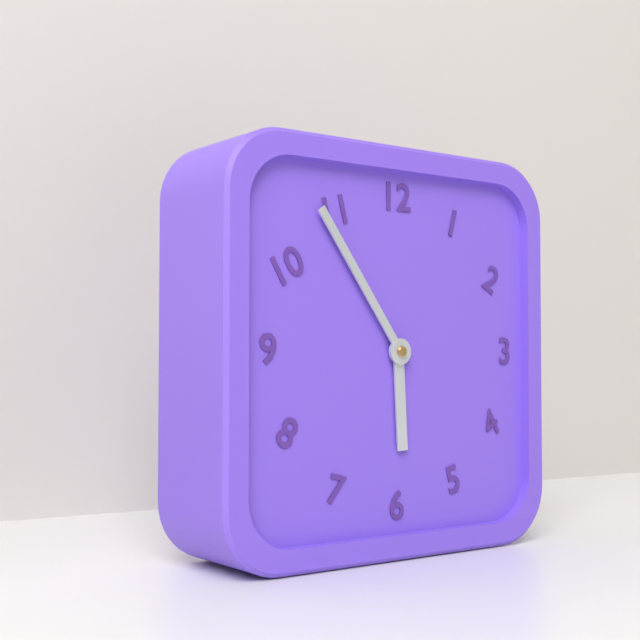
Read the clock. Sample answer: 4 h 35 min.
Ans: 5 h 54 min
